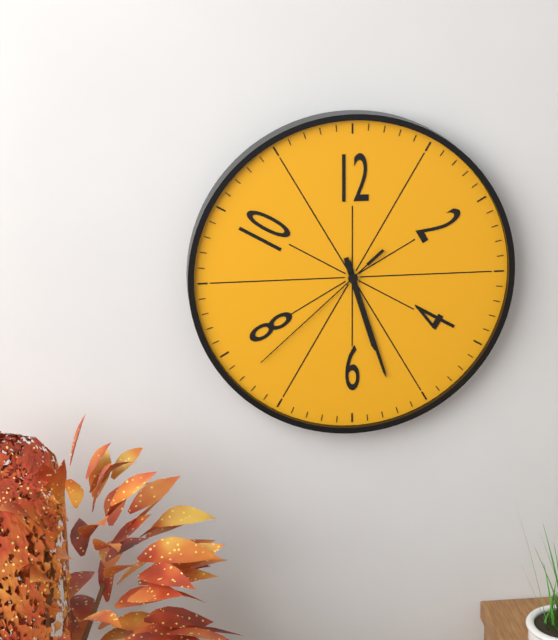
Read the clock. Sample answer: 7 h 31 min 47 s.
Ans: 5 h 27 min 38 s
